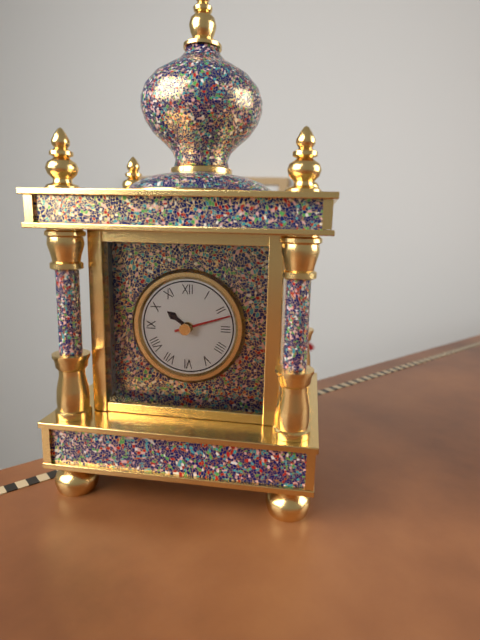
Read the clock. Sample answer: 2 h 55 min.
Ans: 10 h 12 min
